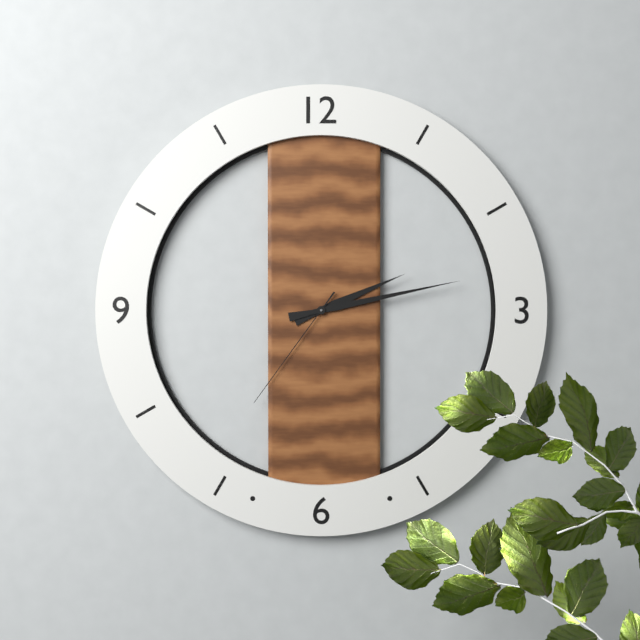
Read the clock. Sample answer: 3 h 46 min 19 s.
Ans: 2 h 13 min 36 s
